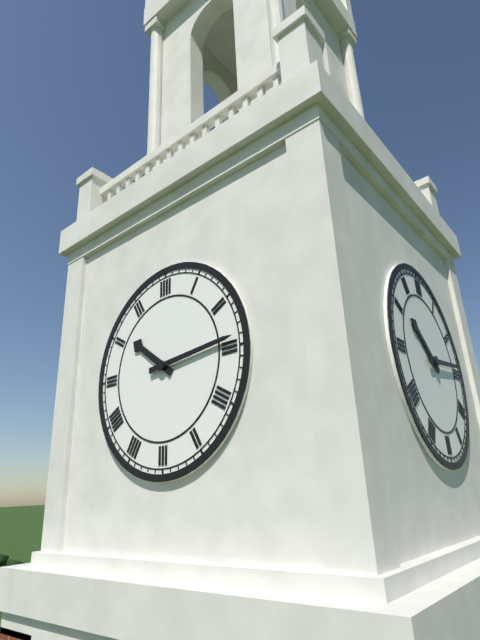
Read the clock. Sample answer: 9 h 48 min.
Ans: 10 h 14 min
